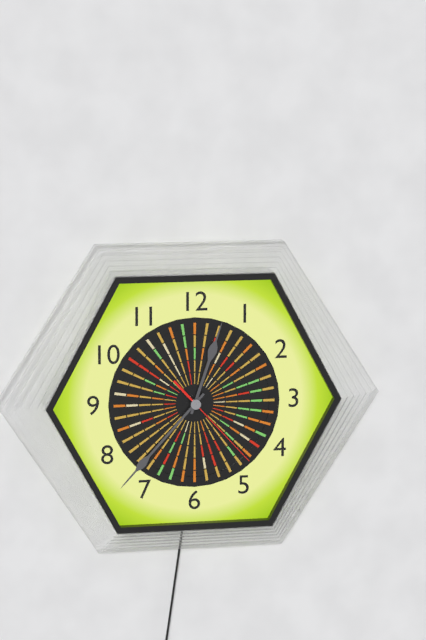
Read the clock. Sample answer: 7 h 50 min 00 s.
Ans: 12 h 37 min 23 s
